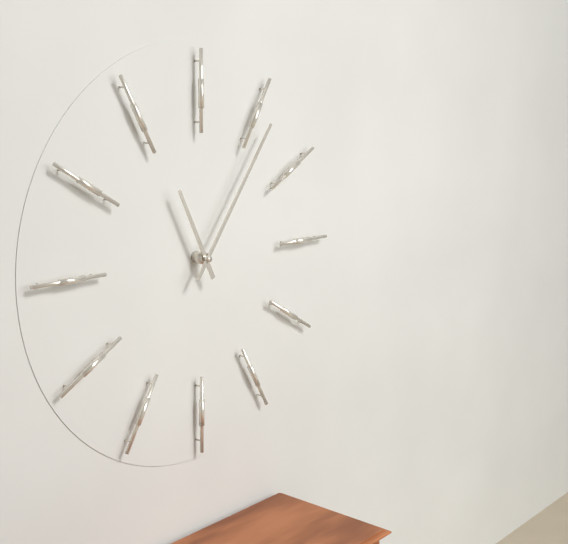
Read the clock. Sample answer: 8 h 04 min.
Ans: 11 h 06 min
